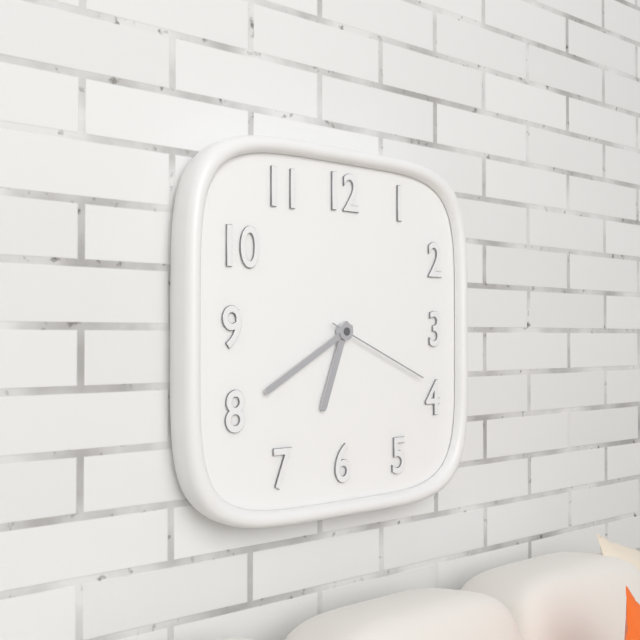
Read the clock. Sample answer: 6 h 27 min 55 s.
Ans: 6 h 40 min 19 s
